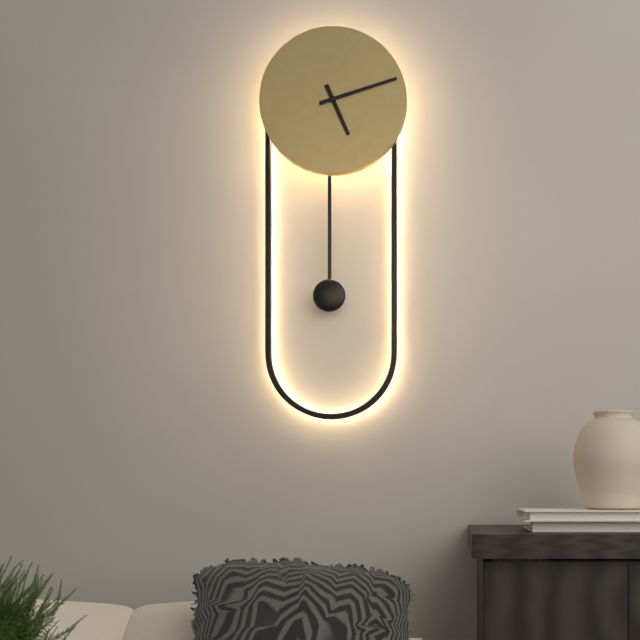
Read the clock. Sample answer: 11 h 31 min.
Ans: 5 h 12 min
